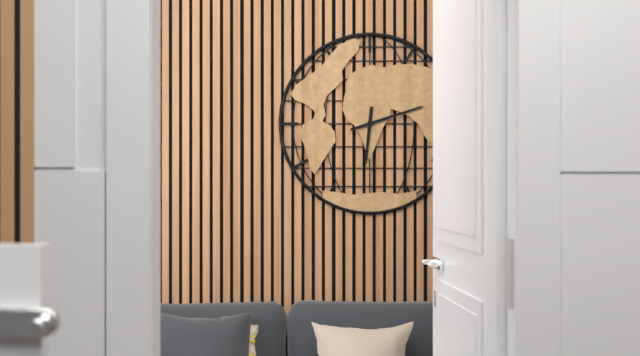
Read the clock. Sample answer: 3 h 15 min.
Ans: 6 h 12 min
